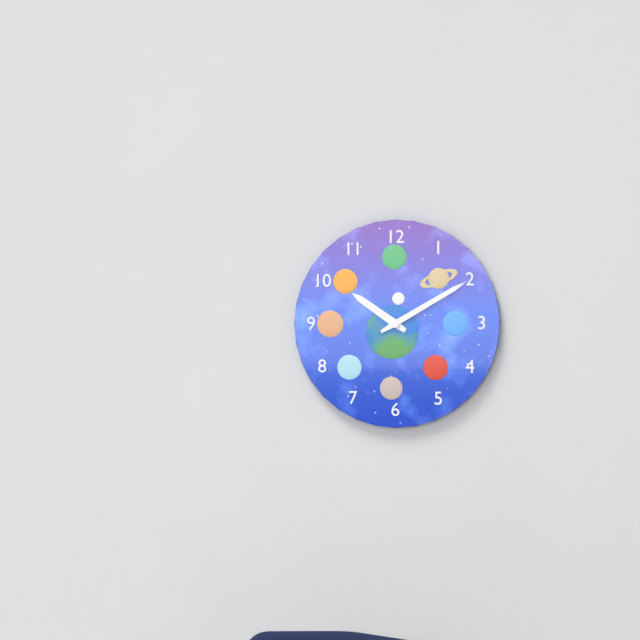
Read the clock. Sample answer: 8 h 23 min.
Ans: 10 h 10 min
